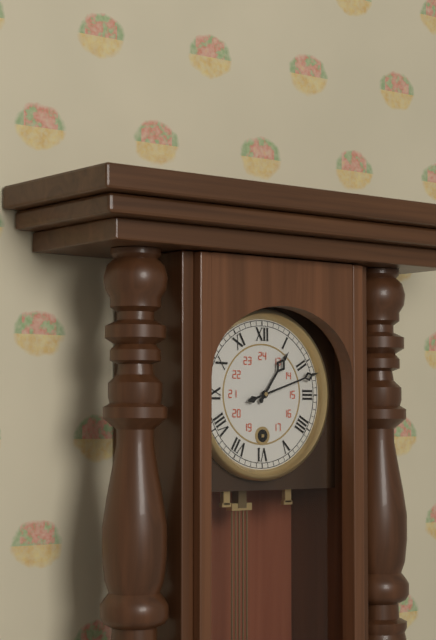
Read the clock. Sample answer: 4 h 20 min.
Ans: 1 h 12 min
